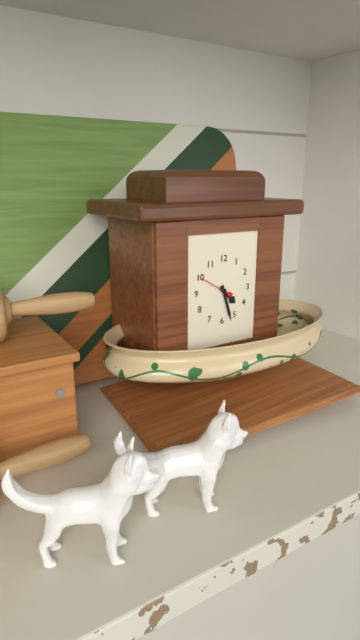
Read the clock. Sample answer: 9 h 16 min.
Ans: 4 h 27 min
